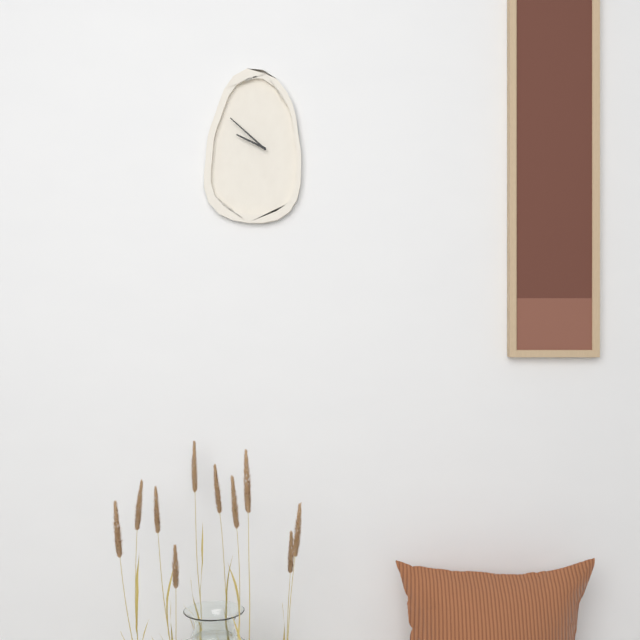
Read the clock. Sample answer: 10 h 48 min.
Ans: 9 h 52 min
